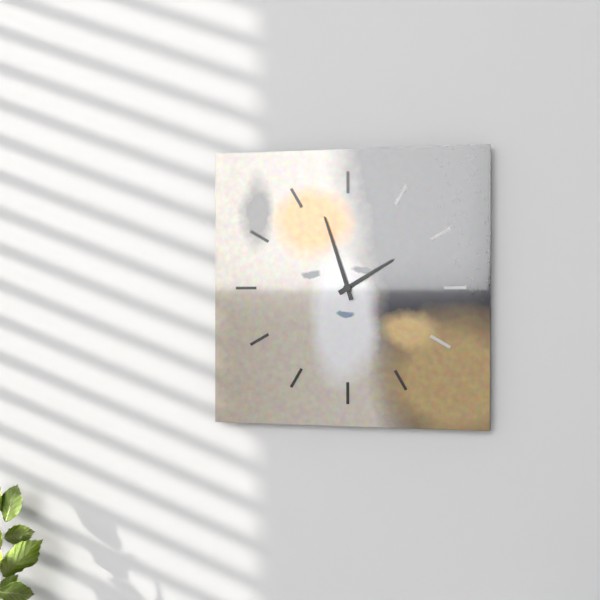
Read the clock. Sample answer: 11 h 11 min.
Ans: 1 h 57 min
